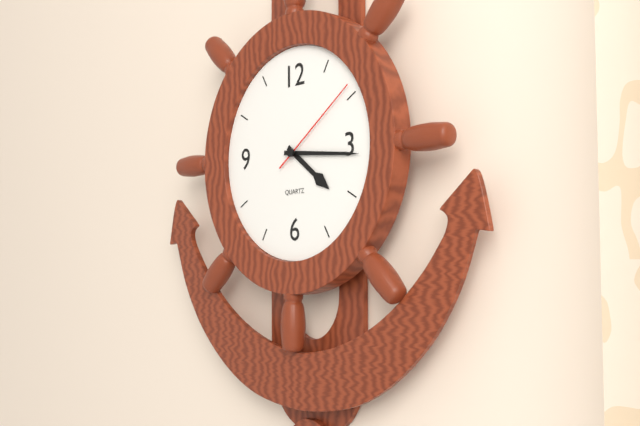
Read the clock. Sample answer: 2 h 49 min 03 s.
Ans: 4 h 16 min 09 s
